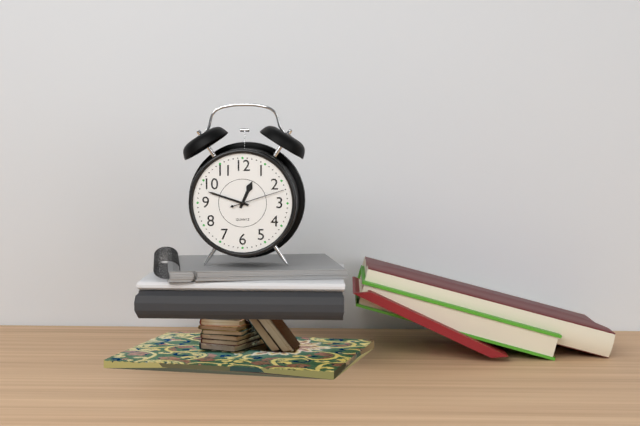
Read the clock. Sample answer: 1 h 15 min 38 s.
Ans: 12 h 48 min 12 s
